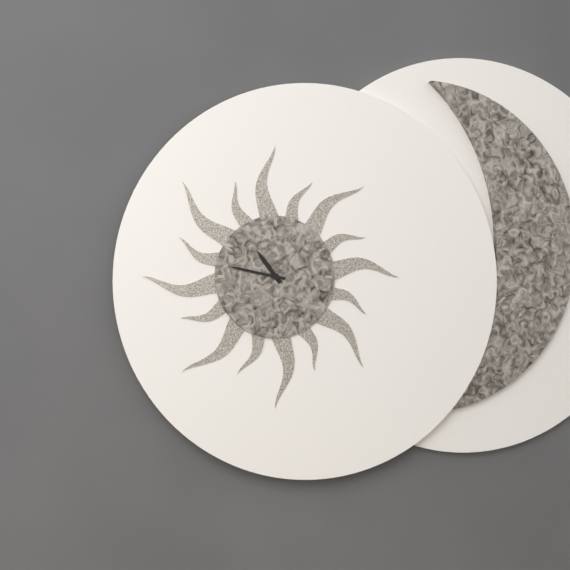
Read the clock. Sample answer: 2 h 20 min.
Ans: 10 h 47 min
